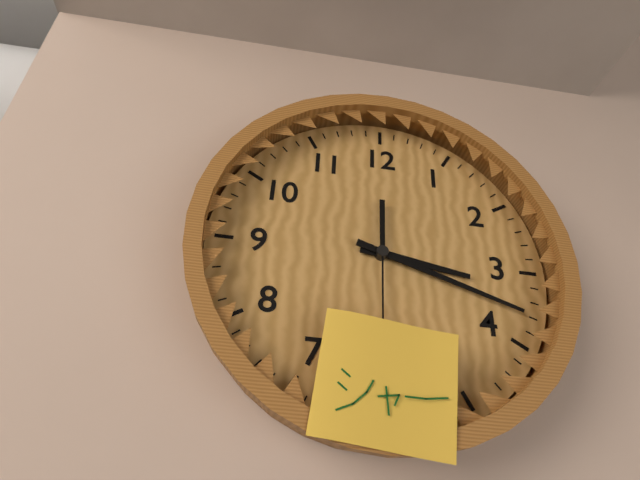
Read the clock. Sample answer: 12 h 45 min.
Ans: 3 h 18 min
